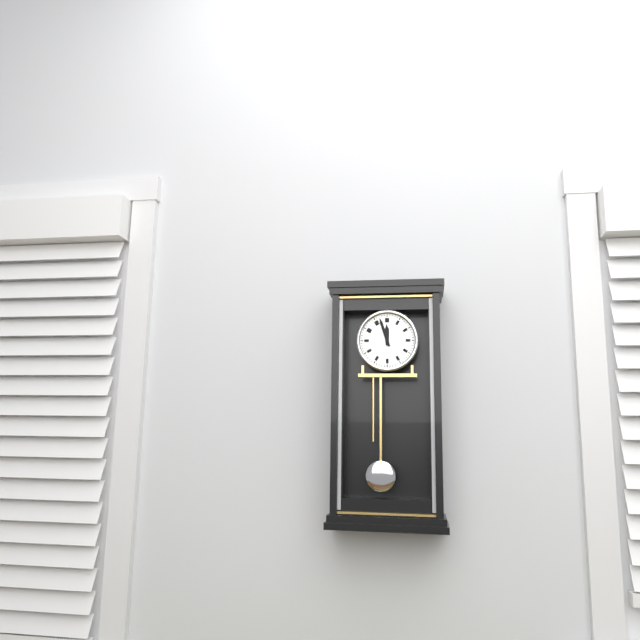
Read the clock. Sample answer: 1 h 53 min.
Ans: 11 h 57 min
